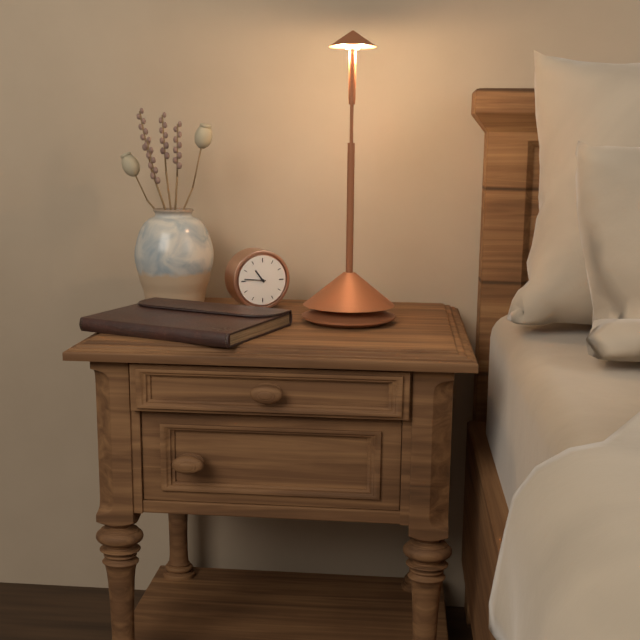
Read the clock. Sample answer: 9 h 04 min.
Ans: 10 h 46 min
